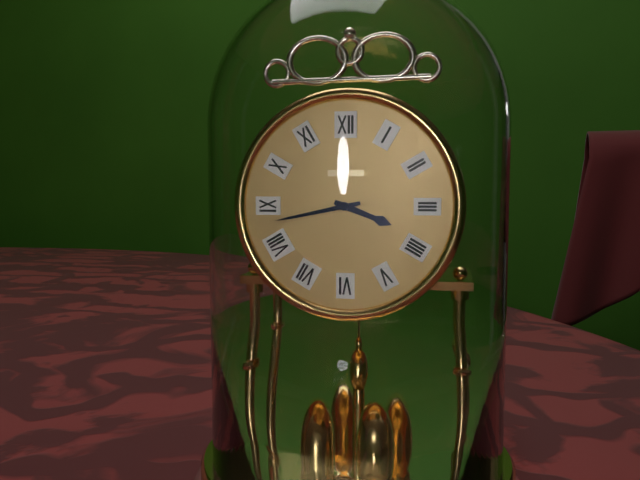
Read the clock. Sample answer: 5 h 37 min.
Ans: 3 h 43 min
